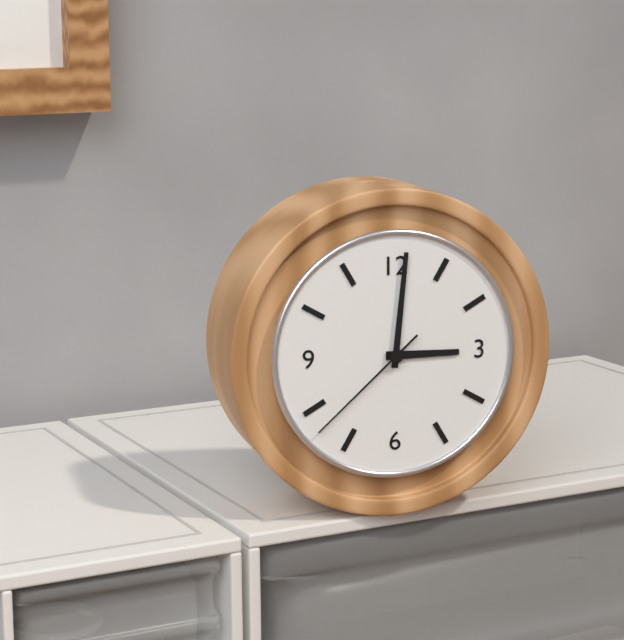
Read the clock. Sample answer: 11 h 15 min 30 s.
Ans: 3 h 01 min 38 s
